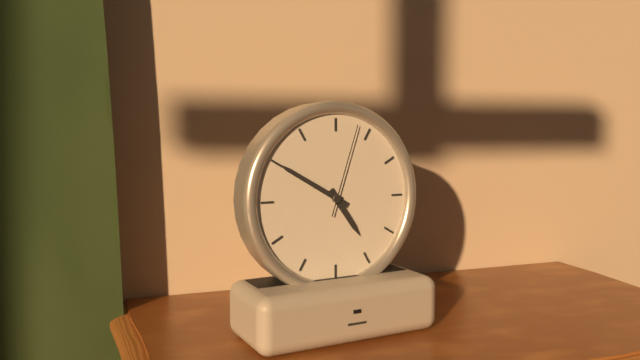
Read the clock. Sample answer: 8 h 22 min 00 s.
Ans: 4 h 50 min 03 s
